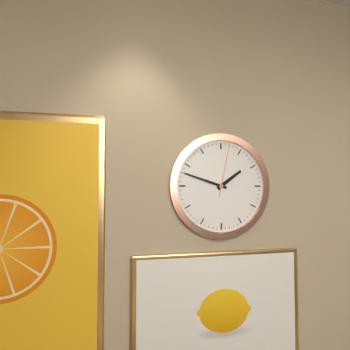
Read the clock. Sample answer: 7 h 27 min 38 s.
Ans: 1 h 48 min 02 s
